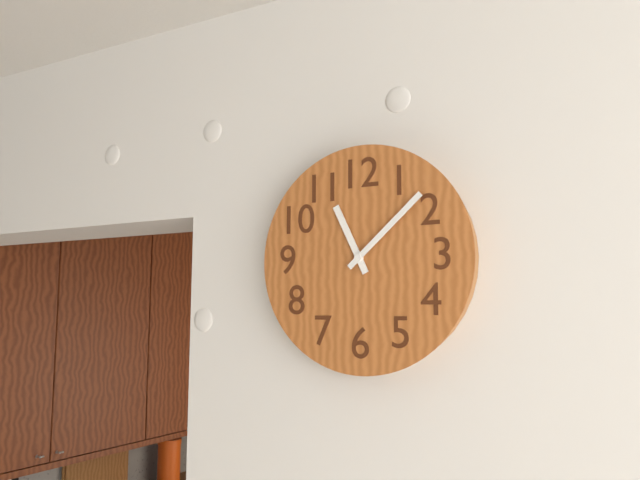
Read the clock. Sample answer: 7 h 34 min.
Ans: 11 h 08 min
